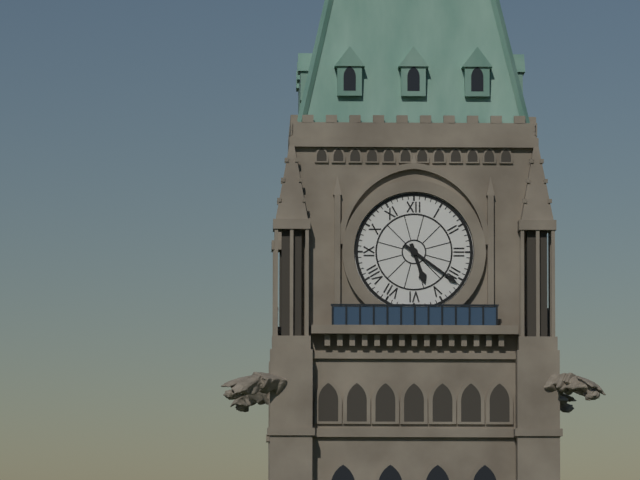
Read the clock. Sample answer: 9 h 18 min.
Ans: 5 h 21 min
